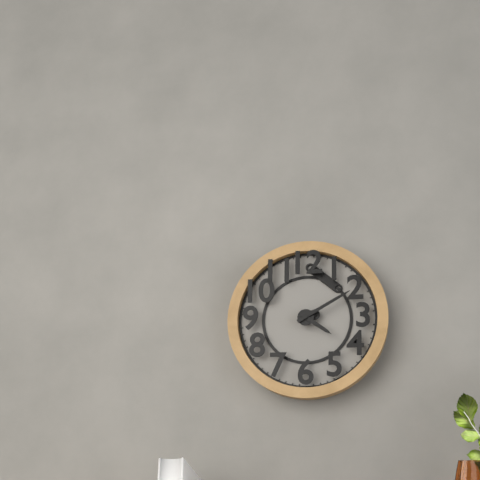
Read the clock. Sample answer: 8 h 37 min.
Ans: 4 h 10 min
